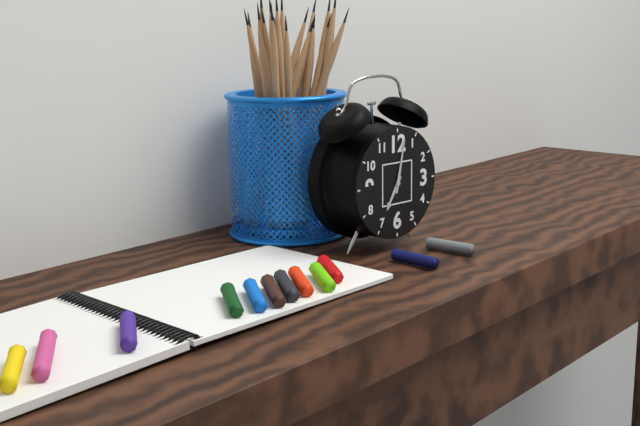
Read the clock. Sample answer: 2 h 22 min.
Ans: 7 h 02 min
